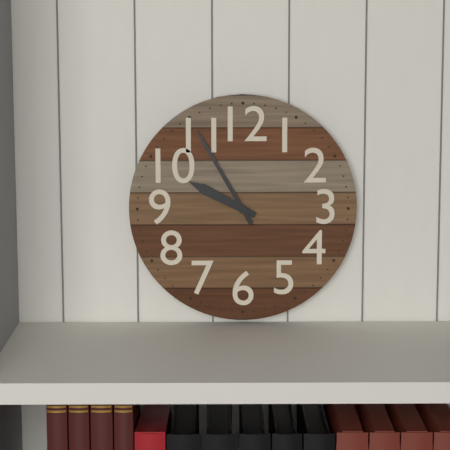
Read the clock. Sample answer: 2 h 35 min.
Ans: 9 h 55 min
